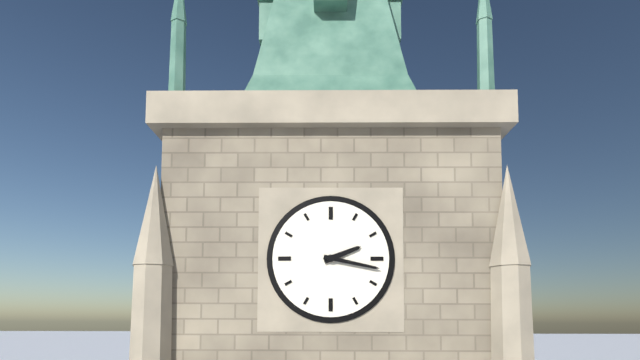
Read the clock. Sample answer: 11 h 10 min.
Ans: 2 h 17 min
